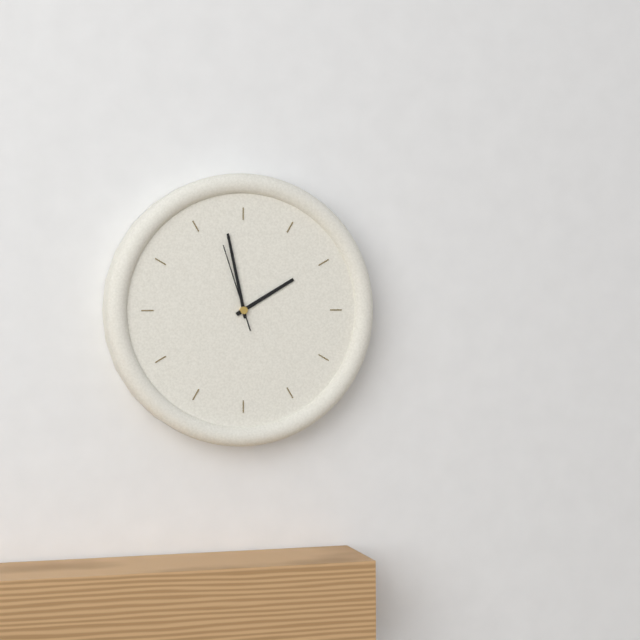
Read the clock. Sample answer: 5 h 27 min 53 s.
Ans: 1 h 58 min 57 s
